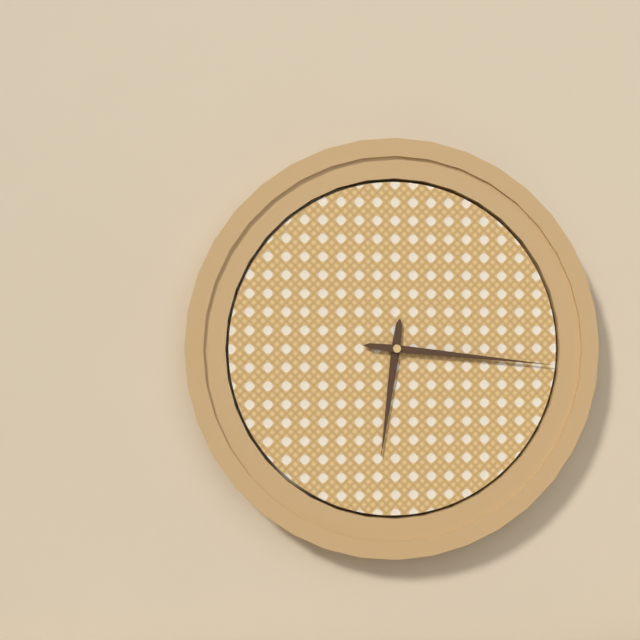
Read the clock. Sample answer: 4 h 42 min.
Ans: 6 h 16 min
